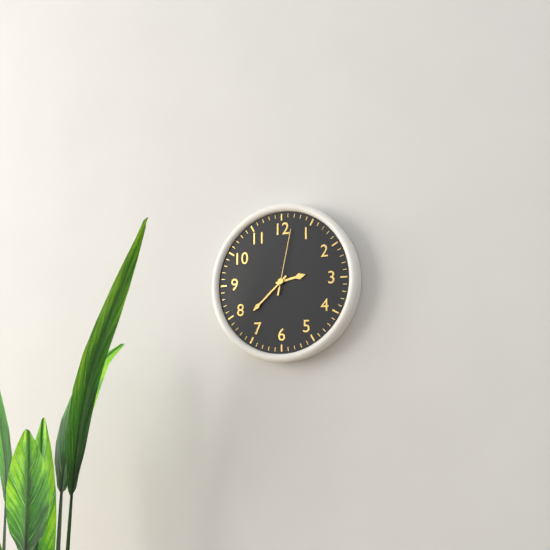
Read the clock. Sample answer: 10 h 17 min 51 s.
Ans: 2 h 38 min 02 s
